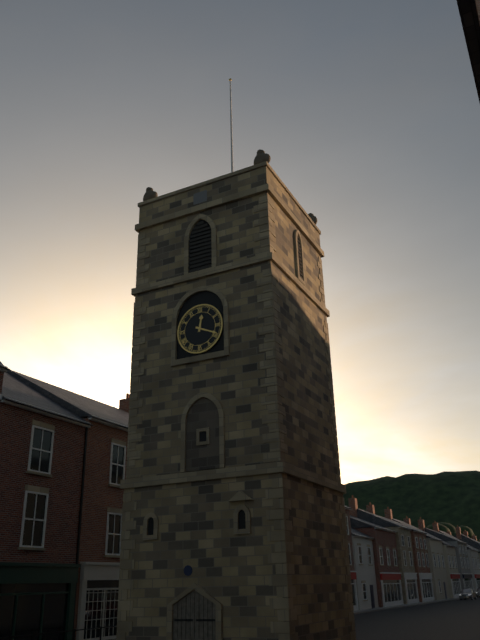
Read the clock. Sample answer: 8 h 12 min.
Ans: 12 h 19 min
